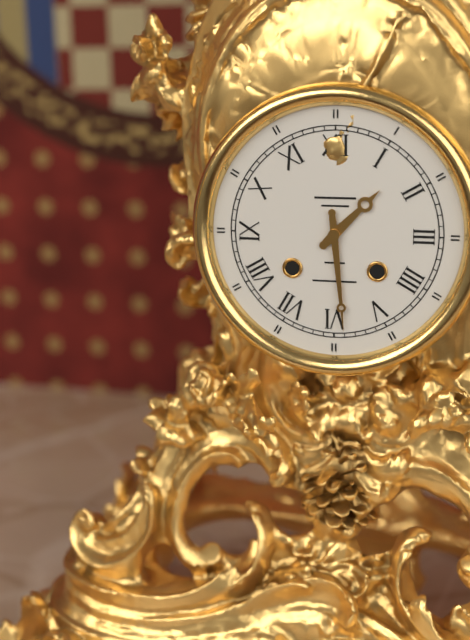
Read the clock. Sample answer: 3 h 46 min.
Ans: 1 h 29 min
